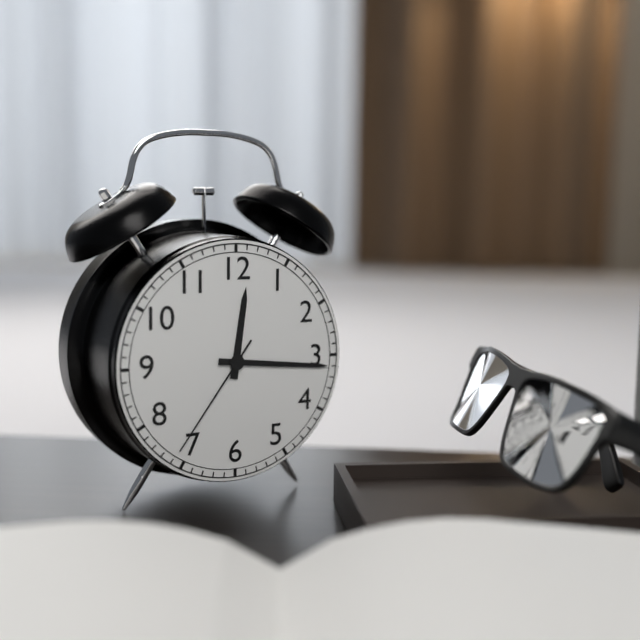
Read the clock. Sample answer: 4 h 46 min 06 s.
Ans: 12 h 16 min 36 s
